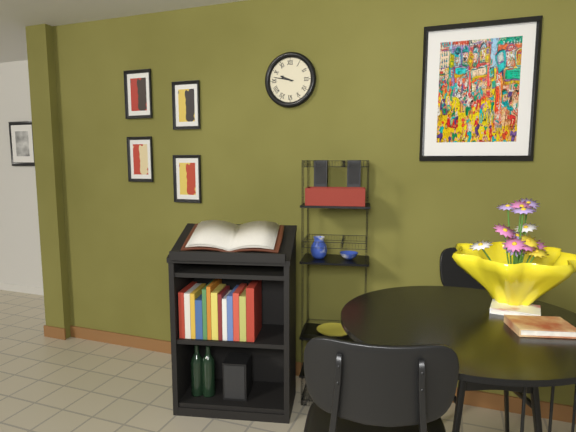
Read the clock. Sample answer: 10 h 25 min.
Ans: 9 h 47 min
